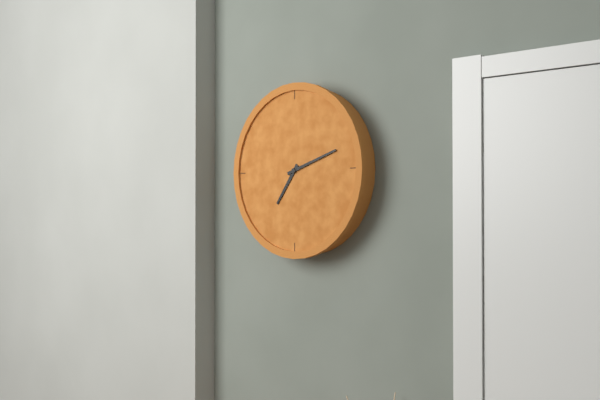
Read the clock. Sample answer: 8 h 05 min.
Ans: 7 h 12 min
